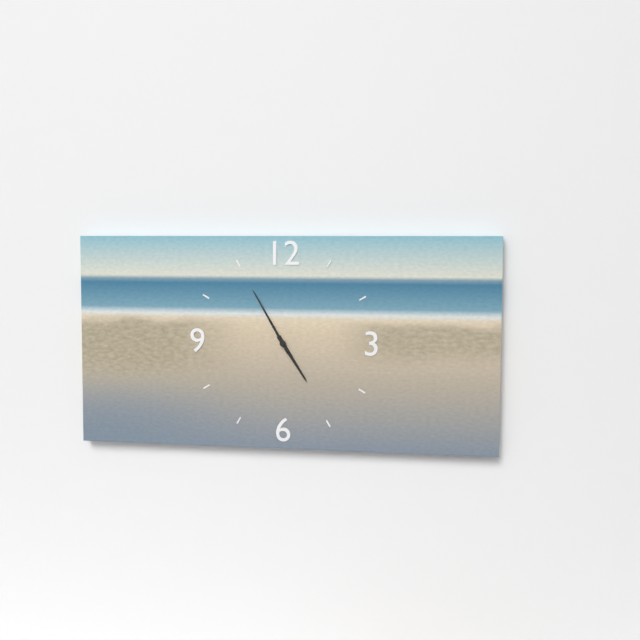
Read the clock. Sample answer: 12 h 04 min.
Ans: 4 h 55 min
